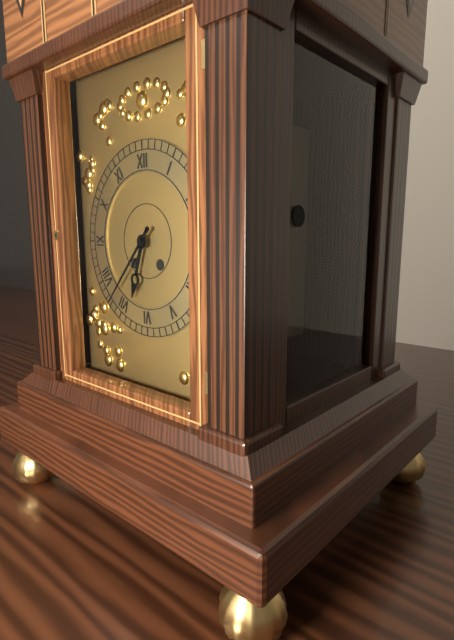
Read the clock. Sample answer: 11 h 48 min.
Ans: 6 h 37 min
